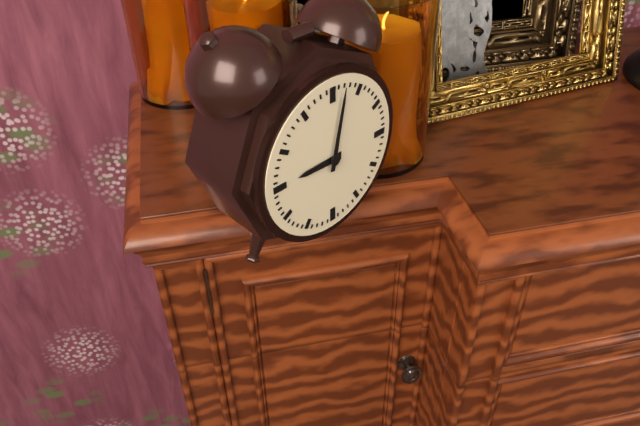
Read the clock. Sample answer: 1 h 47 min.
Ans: 9 h 02 min
